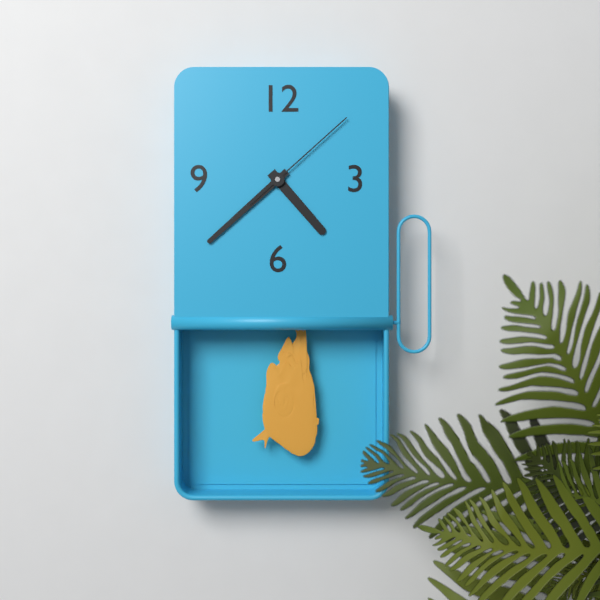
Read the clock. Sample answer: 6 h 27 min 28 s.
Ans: 4 h 38 min 08 s
